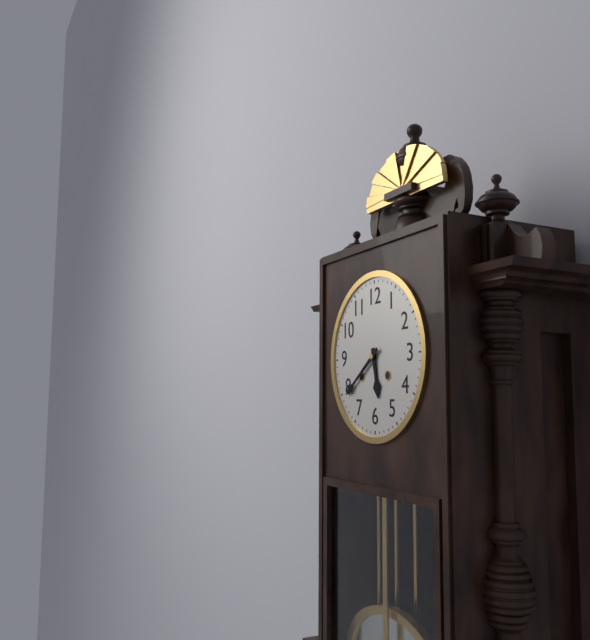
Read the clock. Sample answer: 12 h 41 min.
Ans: 5 h 39 min
